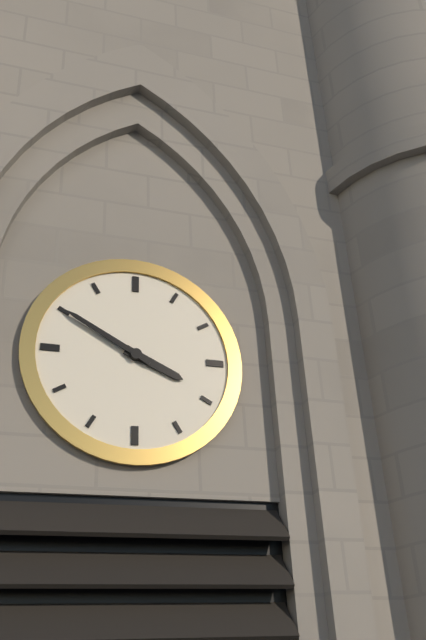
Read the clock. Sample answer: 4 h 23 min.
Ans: 3 h 50 min
